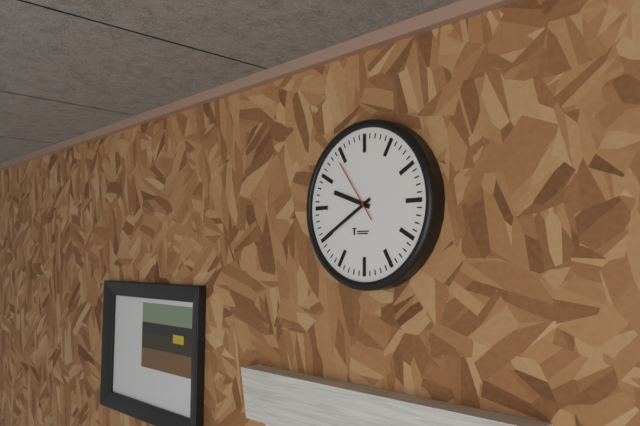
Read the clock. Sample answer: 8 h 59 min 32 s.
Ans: 9 h 40 min 54 s
